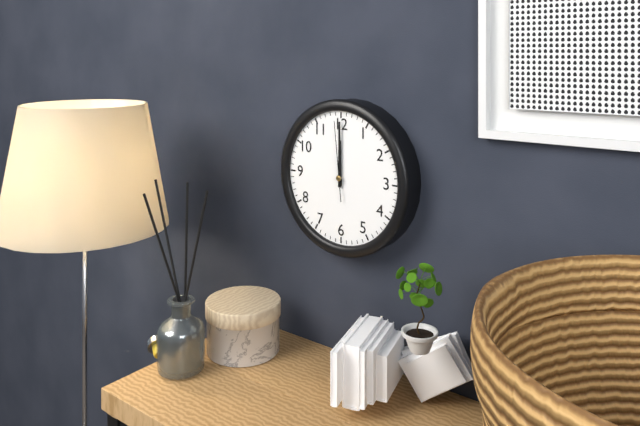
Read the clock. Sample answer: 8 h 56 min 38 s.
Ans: 12 h 00 min 59 s
